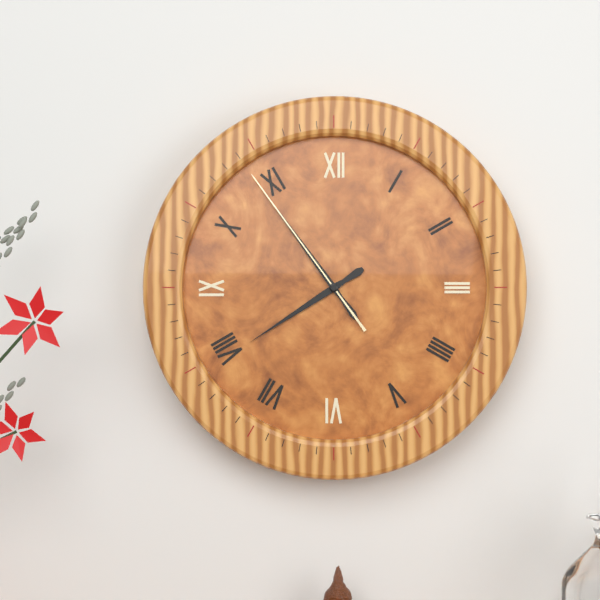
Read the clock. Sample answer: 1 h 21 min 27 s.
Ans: 7 h 54 min 54 s
